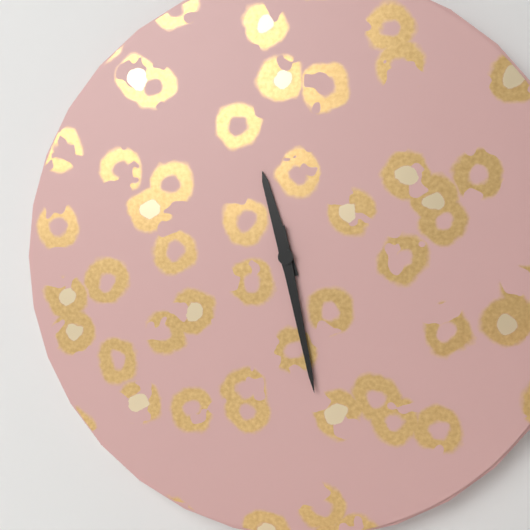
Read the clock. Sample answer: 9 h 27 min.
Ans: 11 h 28 min
